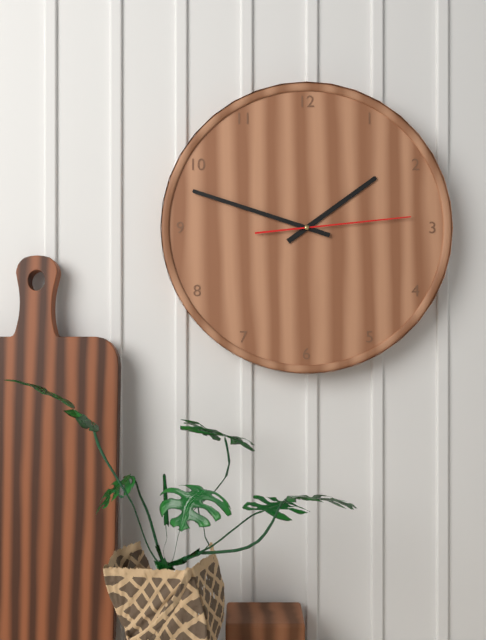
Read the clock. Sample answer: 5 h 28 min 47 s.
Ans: 1 h 48 min 14 s
